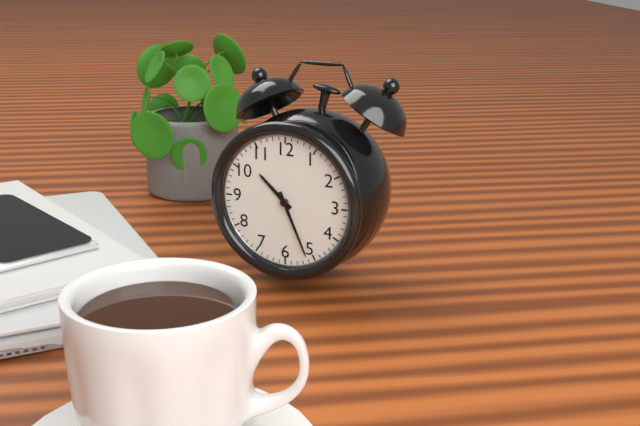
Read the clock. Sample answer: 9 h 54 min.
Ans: 10 h 26 min
